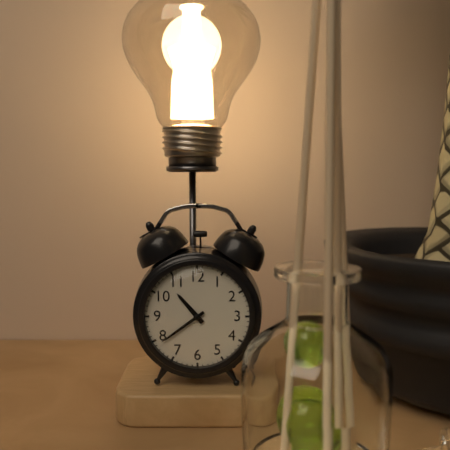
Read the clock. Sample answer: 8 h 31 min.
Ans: 10 h 39 min
